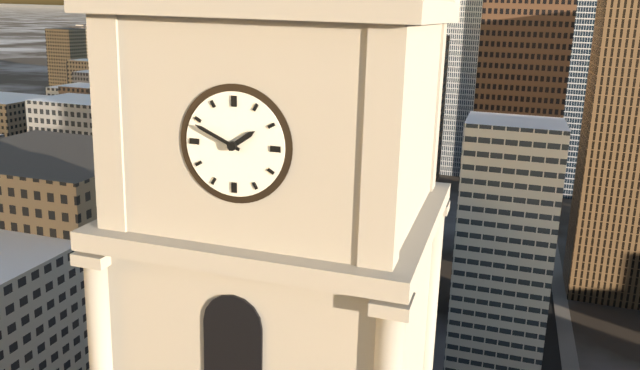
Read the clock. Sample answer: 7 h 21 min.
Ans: 1 h 49 min
